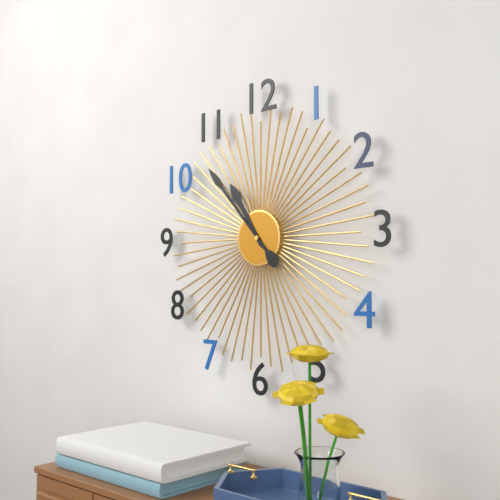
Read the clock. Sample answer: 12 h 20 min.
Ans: 10 h 53 min
